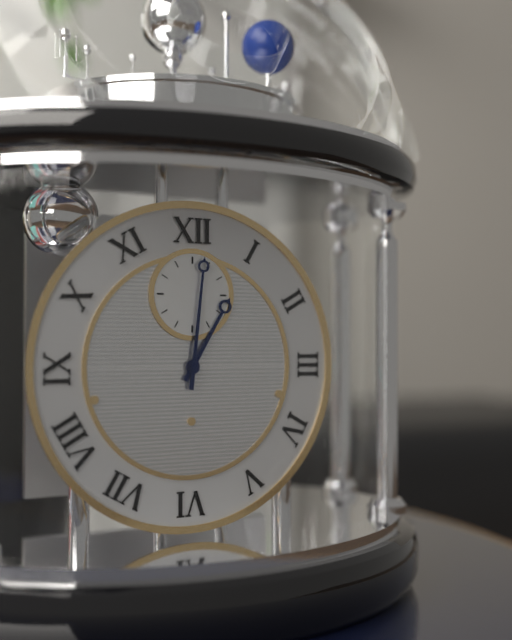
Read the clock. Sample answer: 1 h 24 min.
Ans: 1 h 01 min
